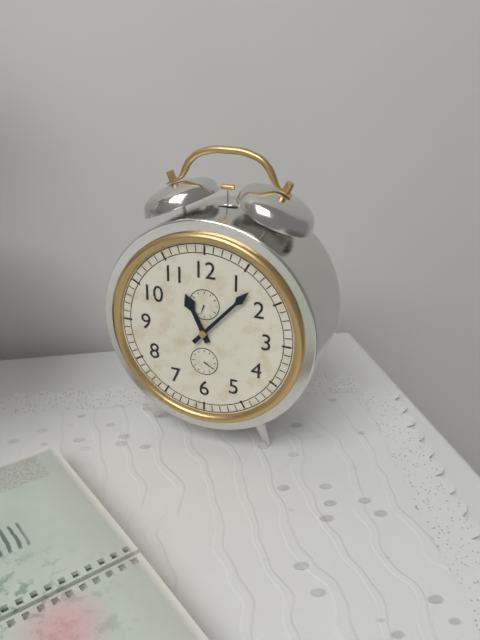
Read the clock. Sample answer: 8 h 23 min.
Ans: 11 h 07 min
